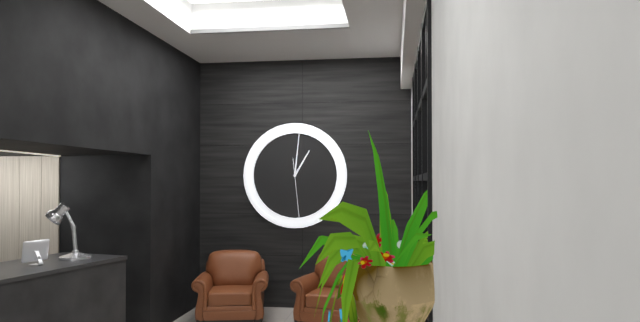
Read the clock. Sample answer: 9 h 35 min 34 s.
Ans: 1 h 01 min 29 s
